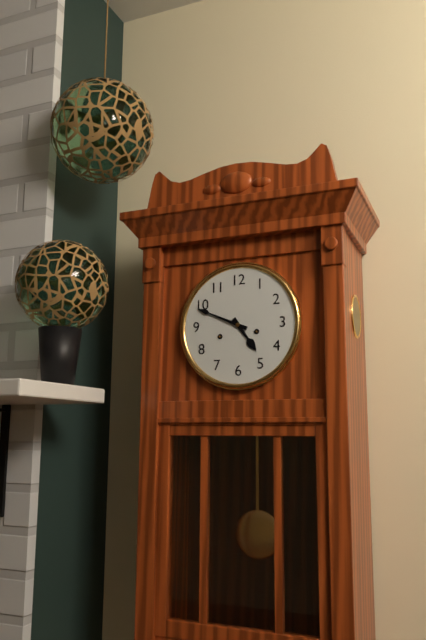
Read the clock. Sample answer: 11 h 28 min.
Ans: 4 h 49 min
